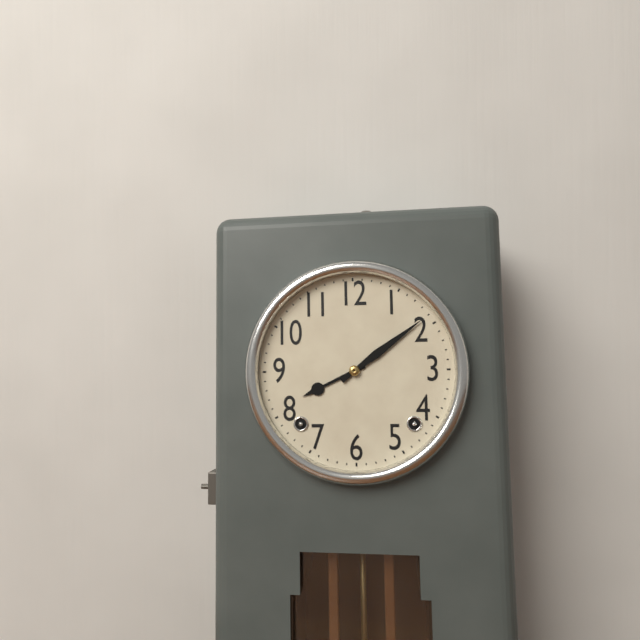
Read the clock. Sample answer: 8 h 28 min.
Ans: 8 h 09 min
